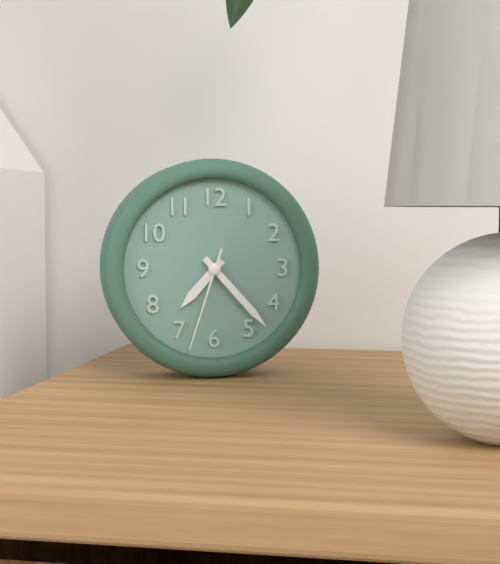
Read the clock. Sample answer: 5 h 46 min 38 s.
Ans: 7 h 23 min 33 s
